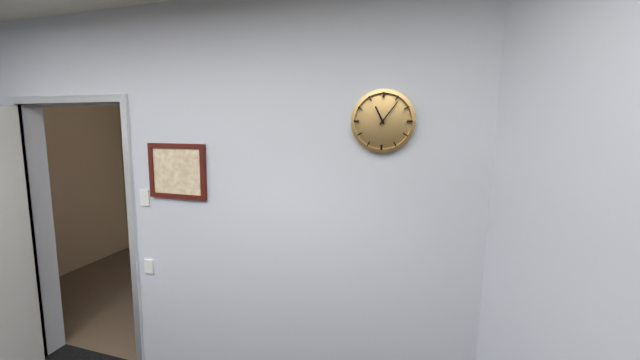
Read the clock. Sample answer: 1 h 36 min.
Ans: 11 h 06 min
